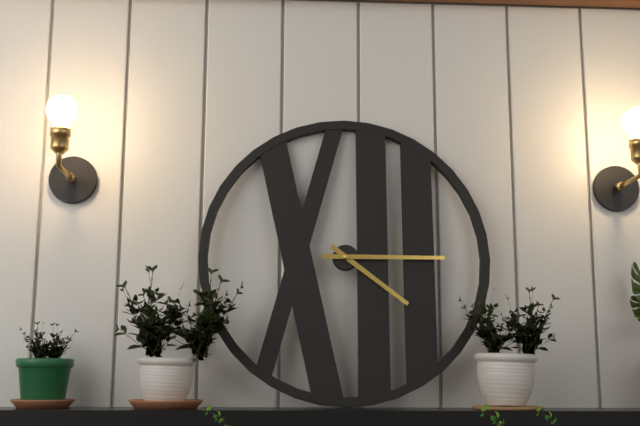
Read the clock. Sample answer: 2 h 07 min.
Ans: 4 h 15 min
